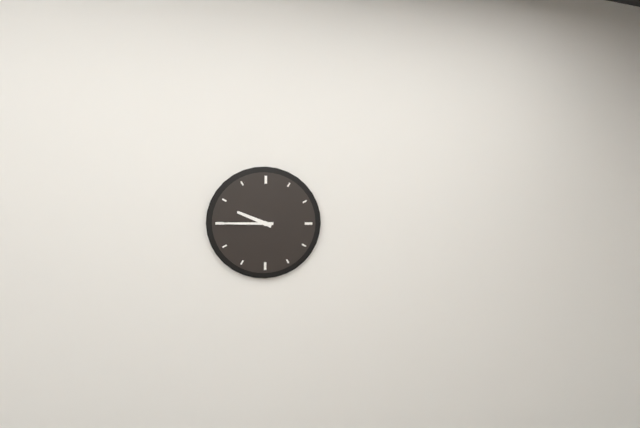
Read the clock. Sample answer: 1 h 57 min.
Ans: 9 h 45 min
